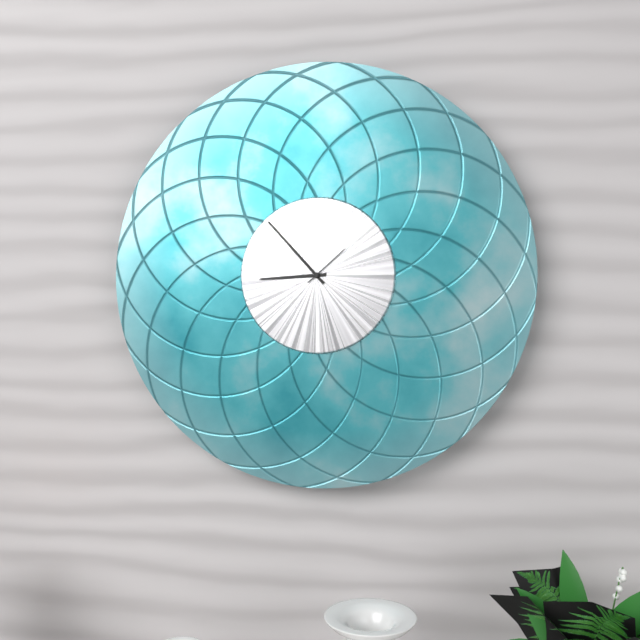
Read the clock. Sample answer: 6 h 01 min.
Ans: 8 h 53 min
